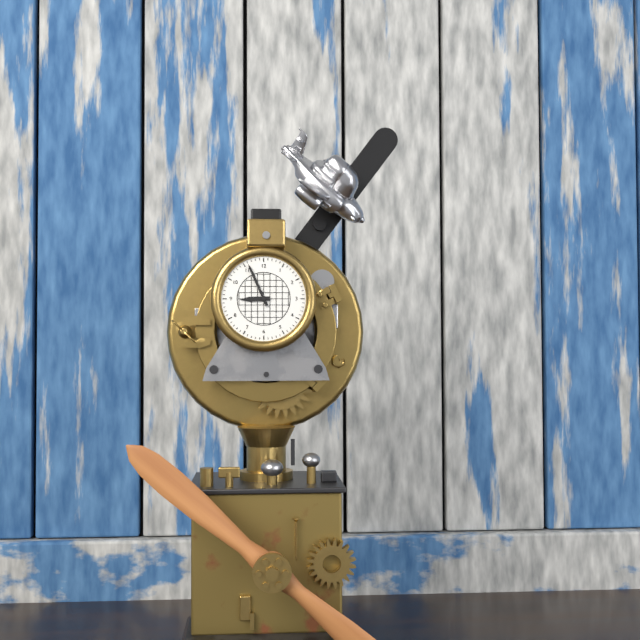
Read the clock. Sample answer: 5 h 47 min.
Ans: 8 h 56 min
